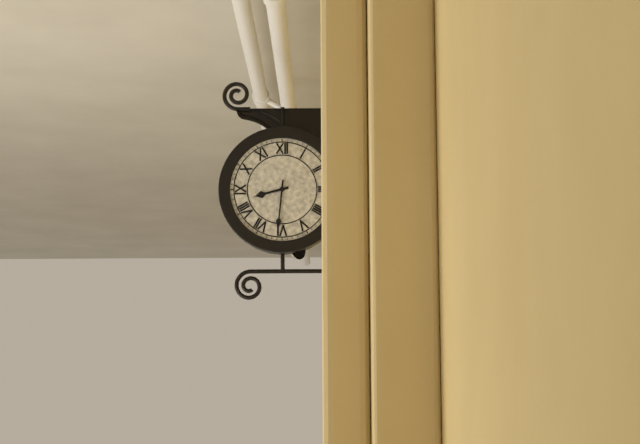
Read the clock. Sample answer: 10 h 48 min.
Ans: 8 h 31 min
